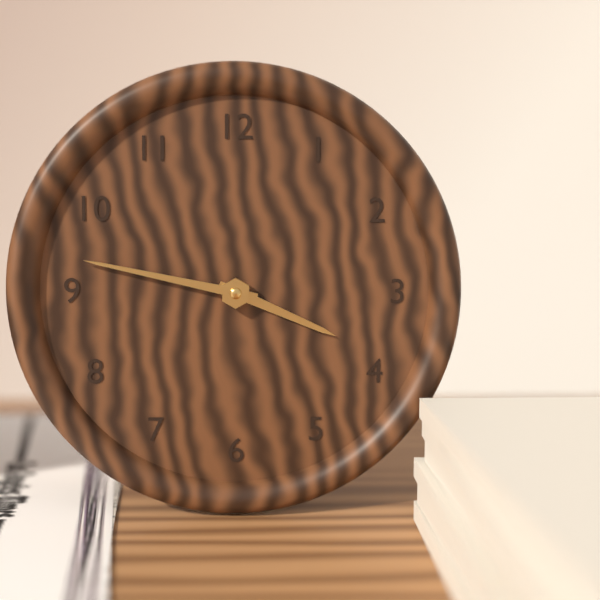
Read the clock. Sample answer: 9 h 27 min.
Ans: 3 h 47 min
